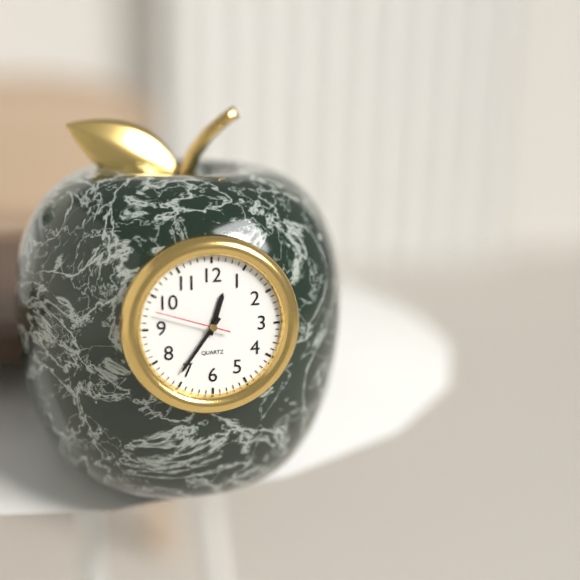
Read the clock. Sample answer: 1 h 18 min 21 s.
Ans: 12 h 36 min 48 s
